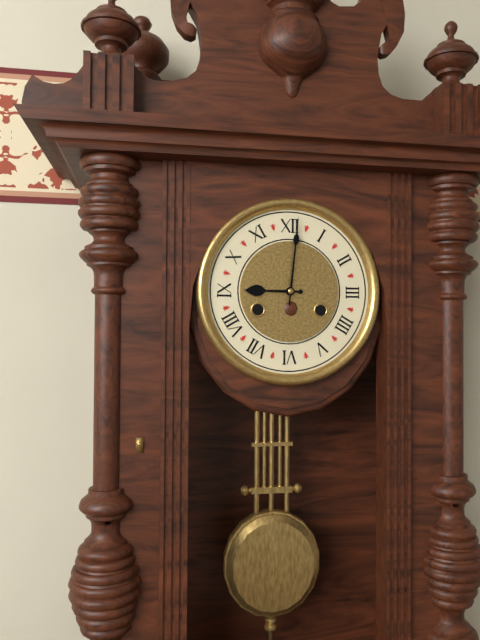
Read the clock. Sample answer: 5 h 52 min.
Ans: 9 h 01 min
